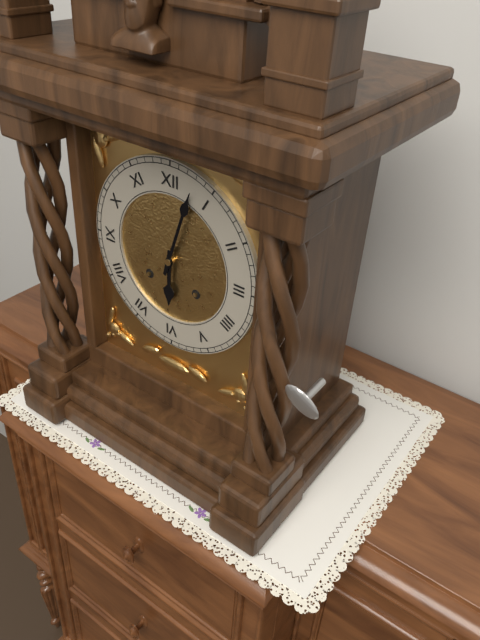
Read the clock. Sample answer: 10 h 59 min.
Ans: 6 h 03 min
